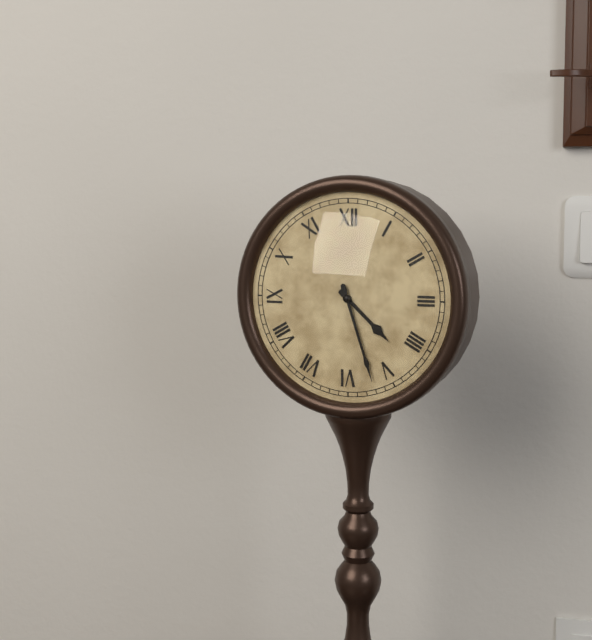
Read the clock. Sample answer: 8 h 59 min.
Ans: 4 h 27 min
